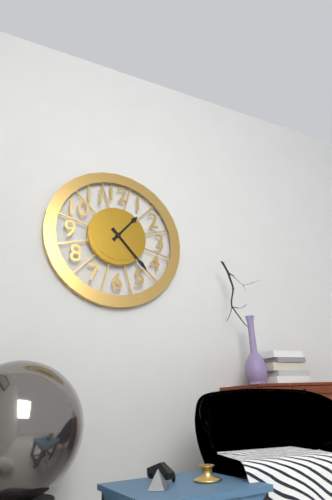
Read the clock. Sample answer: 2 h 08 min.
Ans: 1 h 23 min
